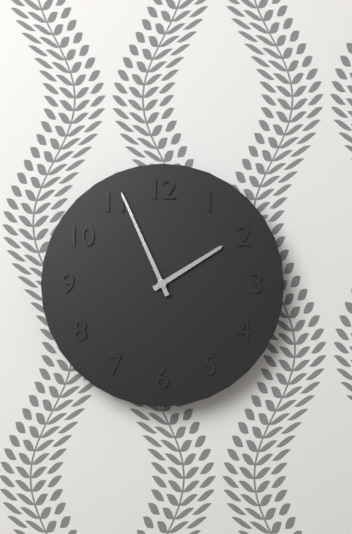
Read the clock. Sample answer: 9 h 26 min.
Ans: 1 h 56 min
